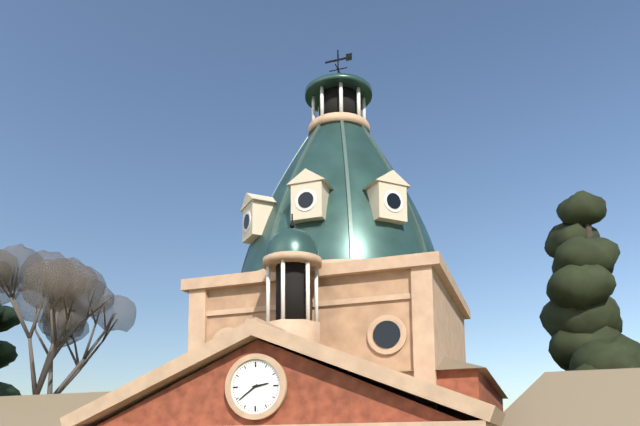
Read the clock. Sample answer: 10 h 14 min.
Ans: 2 h 39 min
